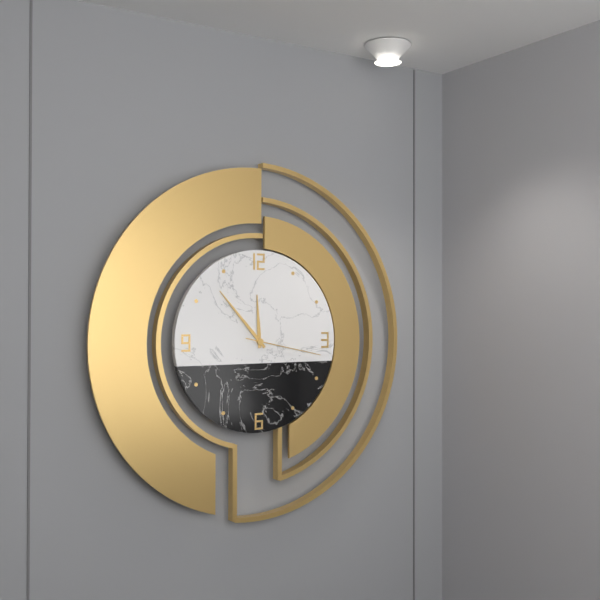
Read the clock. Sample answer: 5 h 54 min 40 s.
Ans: 11 h 53 min 17 s
